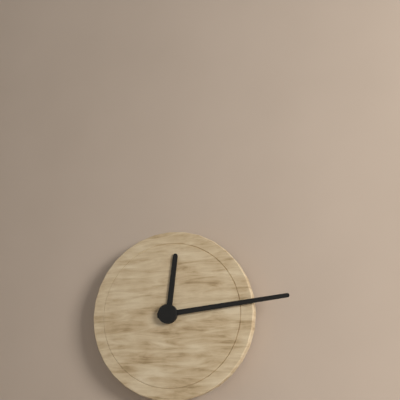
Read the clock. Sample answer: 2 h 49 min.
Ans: 12 h 14 min
